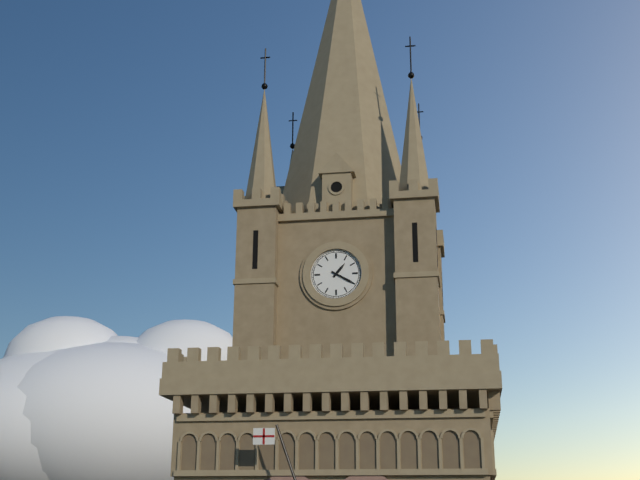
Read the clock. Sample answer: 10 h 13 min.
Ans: 1 h 20 min
